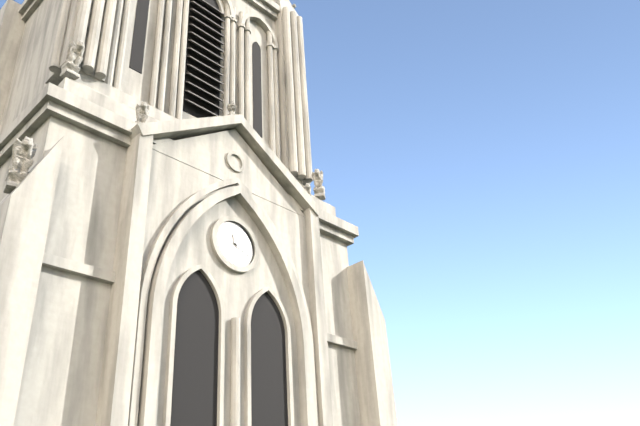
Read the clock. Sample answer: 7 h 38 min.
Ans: 11 h 18 min
